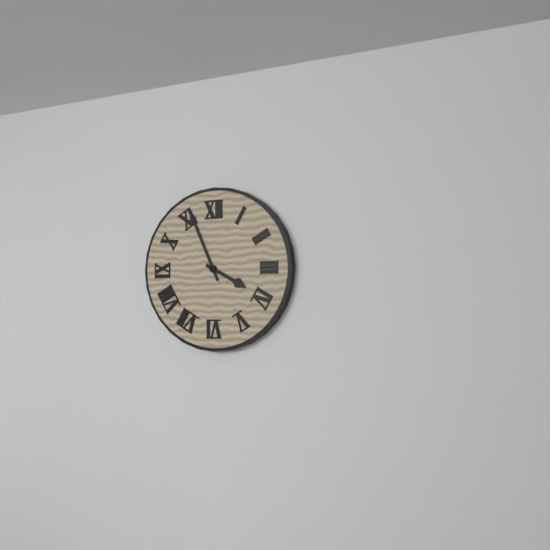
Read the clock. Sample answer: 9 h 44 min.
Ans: 3 h 56 min
